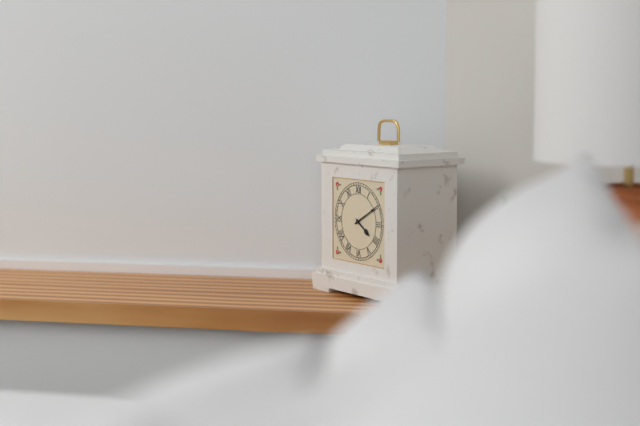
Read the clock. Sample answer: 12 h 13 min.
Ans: 4 h 10 min
